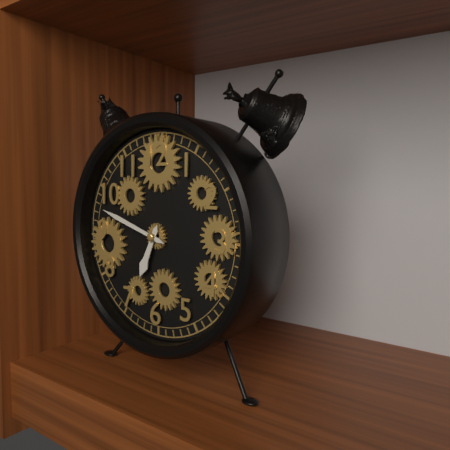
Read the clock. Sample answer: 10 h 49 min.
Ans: 6 h 48 min
